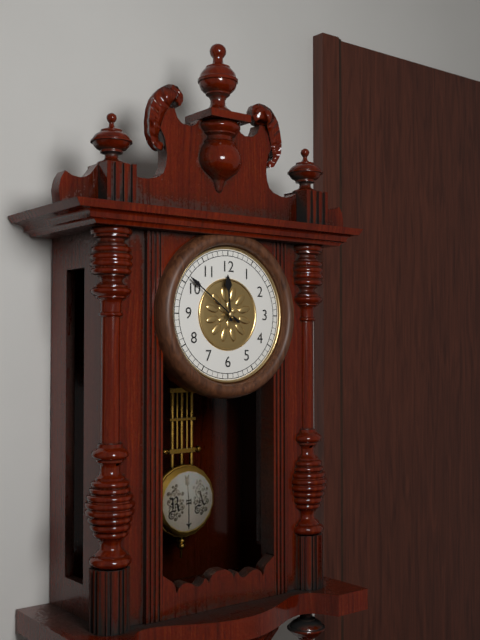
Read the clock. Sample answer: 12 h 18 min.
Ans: 11 h 51 min
